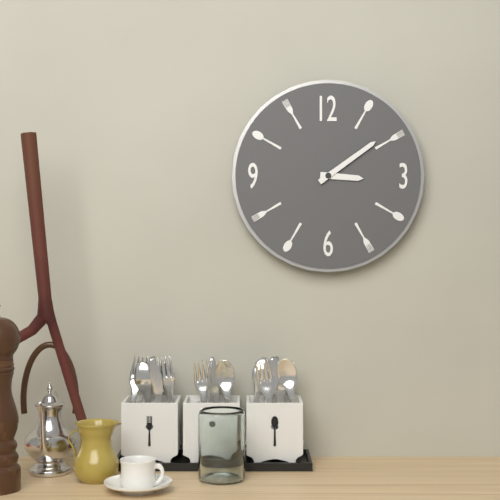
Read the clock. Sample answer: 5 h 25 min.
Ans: 3 h 09 min
